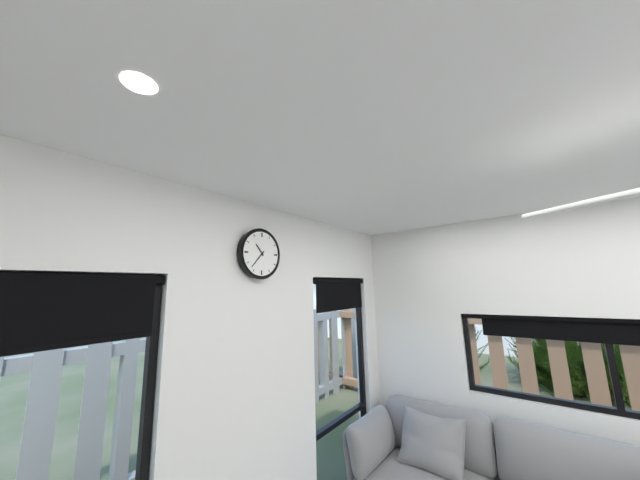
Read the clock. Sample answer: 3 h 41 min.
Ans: 10 h 37 min
